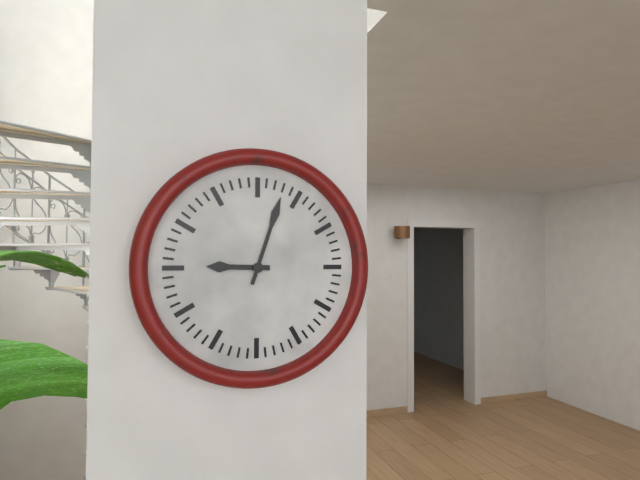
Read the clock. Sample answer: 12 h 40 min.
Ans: 9 h 03 min
